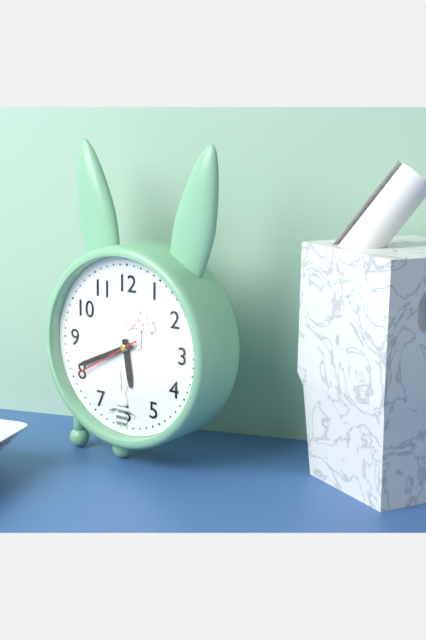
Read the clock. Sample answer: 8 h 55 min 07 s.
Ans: 5 h 41 min 40 s
